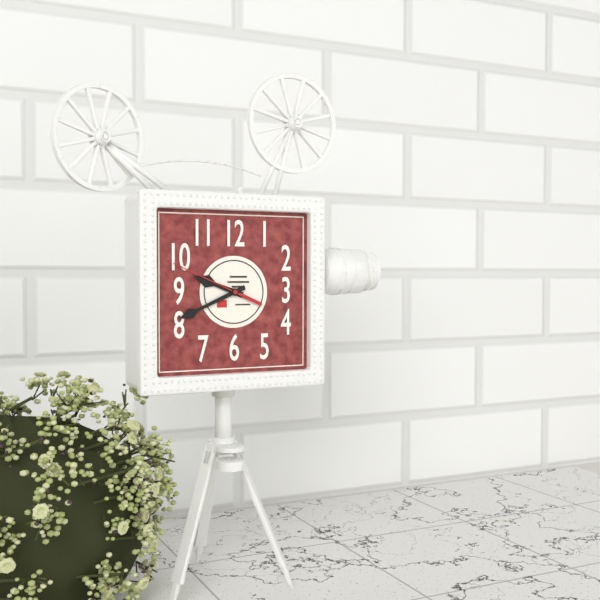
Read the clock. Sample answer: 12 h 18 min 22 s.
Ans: 9 h 41 min 49 s
